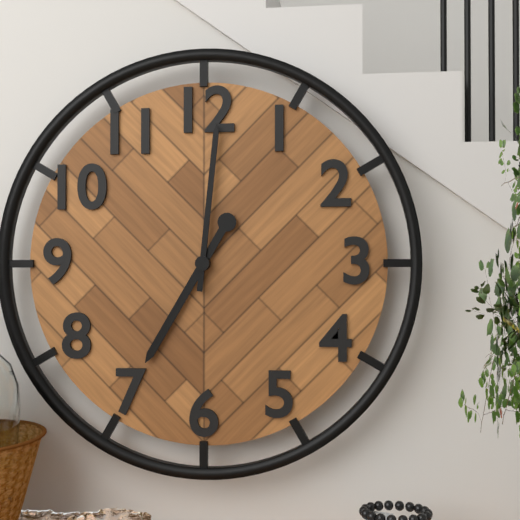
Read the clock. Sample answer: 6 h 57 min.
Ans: 7 h 01 min
